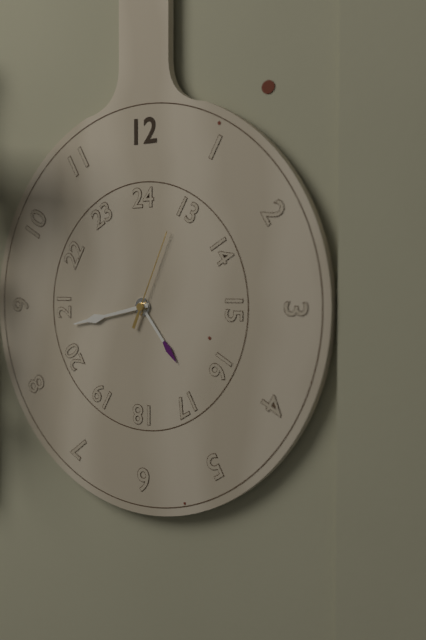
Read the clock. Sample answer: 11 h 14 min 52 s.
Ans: 4 h 43 min 04 s
